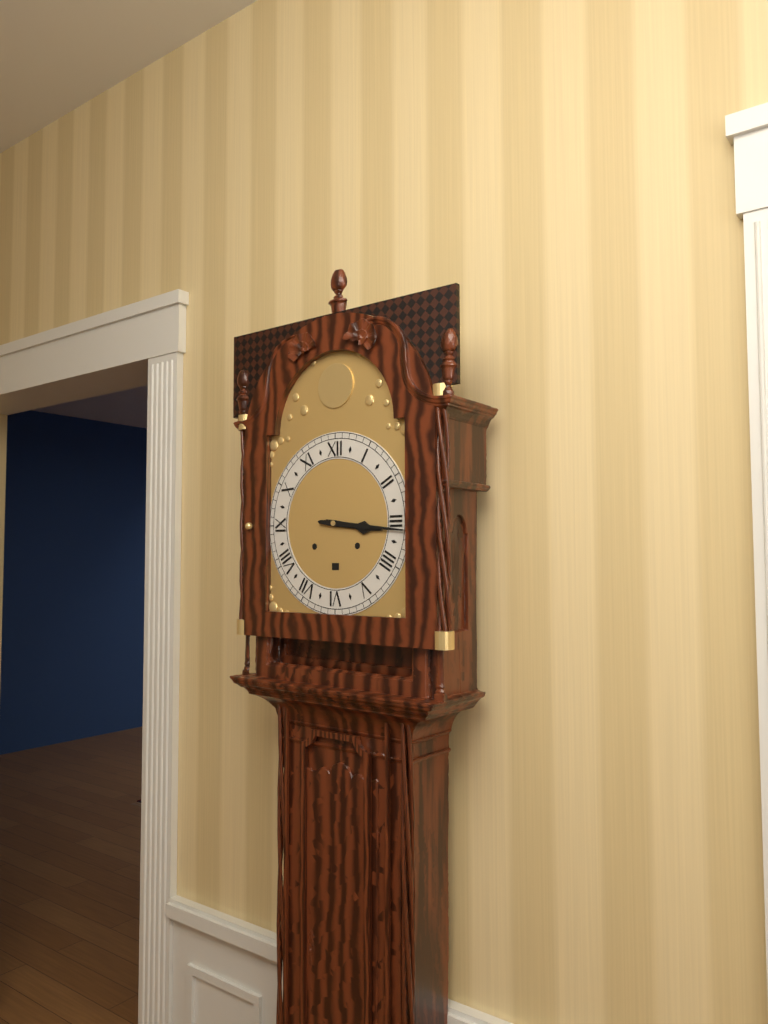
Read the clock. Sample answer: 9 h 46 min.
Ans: 3 h 16 min
